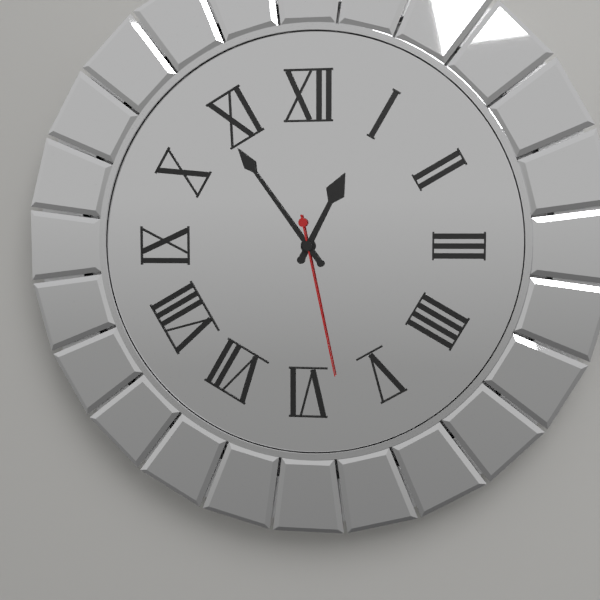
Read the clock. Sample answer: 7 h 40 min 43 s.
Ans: 12 h 54 min 28 s
